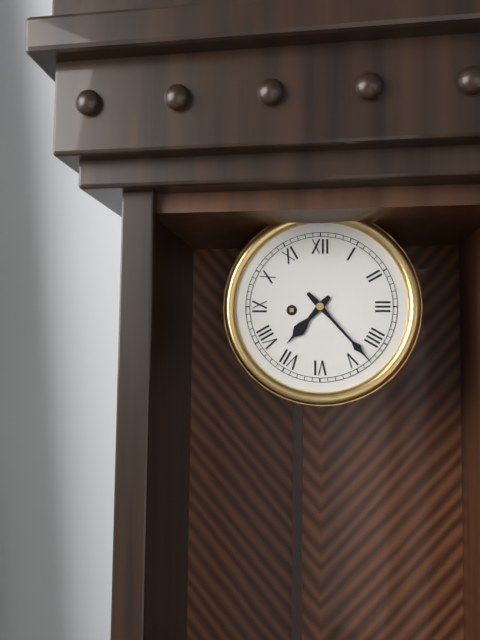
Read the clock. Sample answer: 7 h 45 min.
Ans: 7 h 23 min
